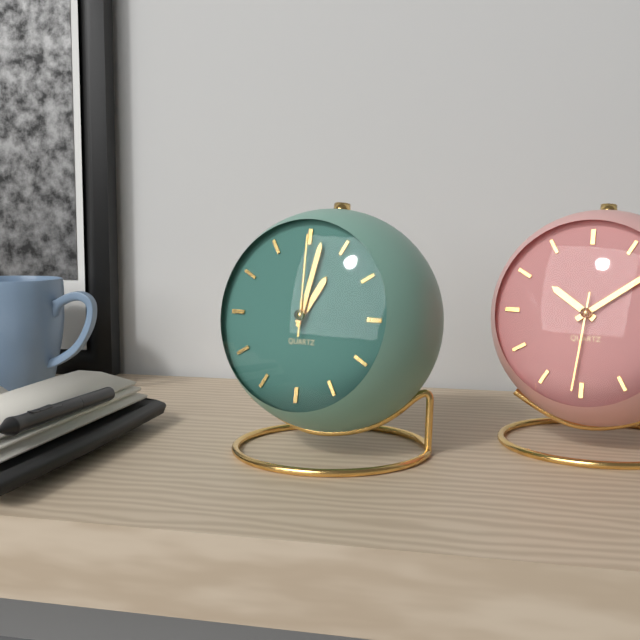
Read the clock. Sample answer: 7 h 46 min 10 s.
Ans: 1 h 02 min 00 s
